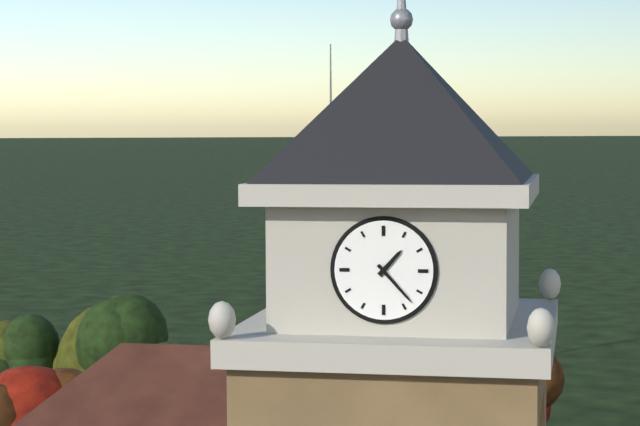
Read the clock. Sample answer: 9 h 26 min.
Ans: 1 h 23 min
